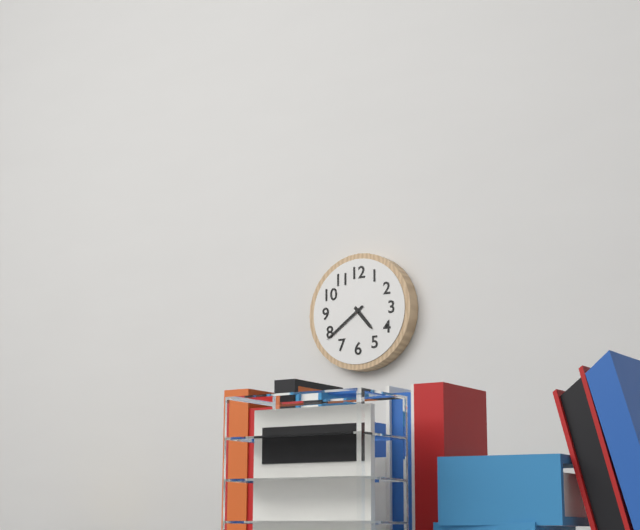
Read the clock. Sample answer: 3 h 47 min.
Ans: 4 h 39 min
